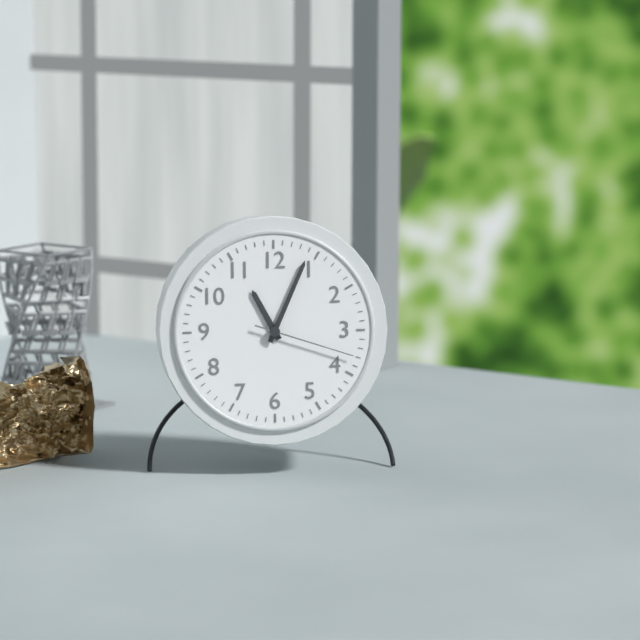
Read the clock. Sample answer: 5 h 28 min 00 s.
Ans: 11 h 04 min 18 s
